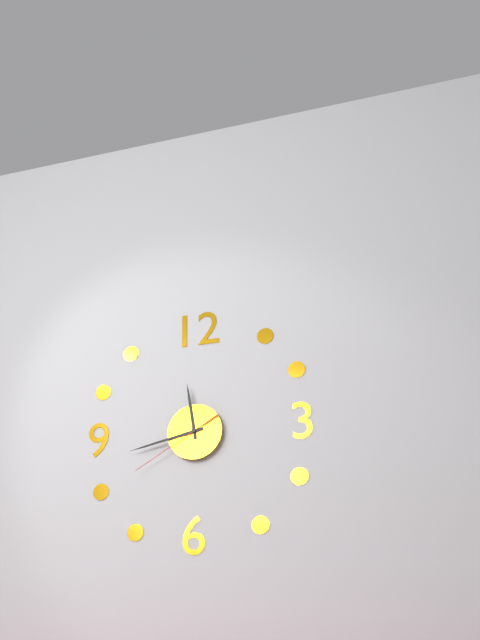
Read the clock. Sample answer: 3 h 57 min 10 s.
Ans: 11 h 43 min 40 s
